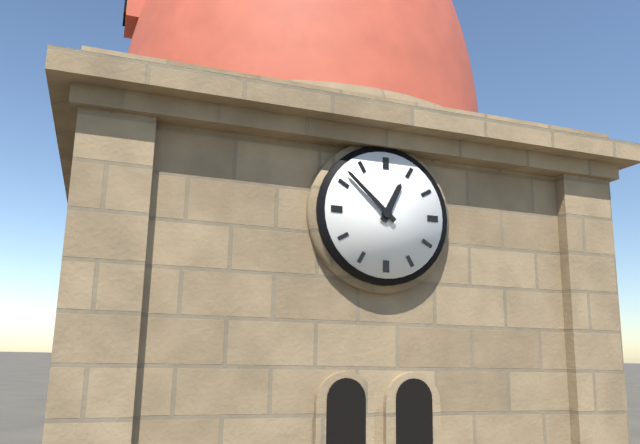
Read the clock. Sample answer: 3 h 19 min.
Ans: 12 h 52 min
